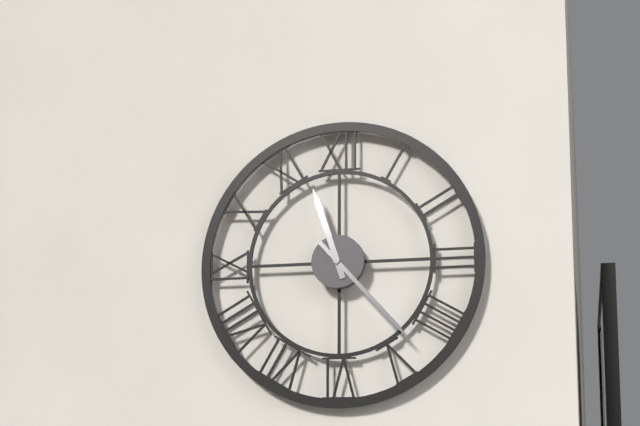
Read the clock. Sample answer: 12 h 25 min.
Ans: 11 h 23 min
